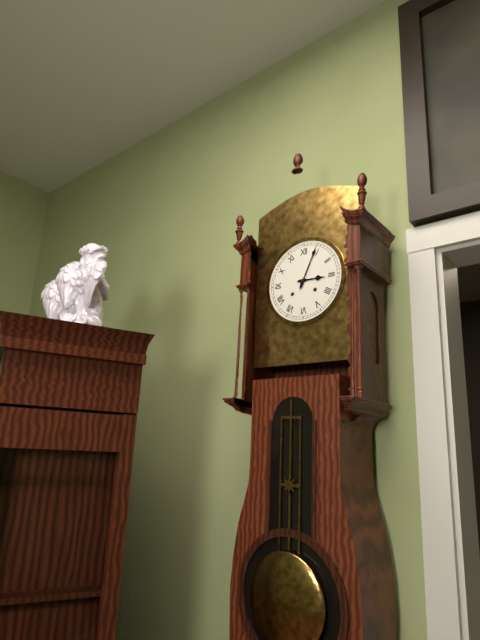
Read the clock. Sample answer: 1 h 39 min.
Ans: 3 h 04 min
